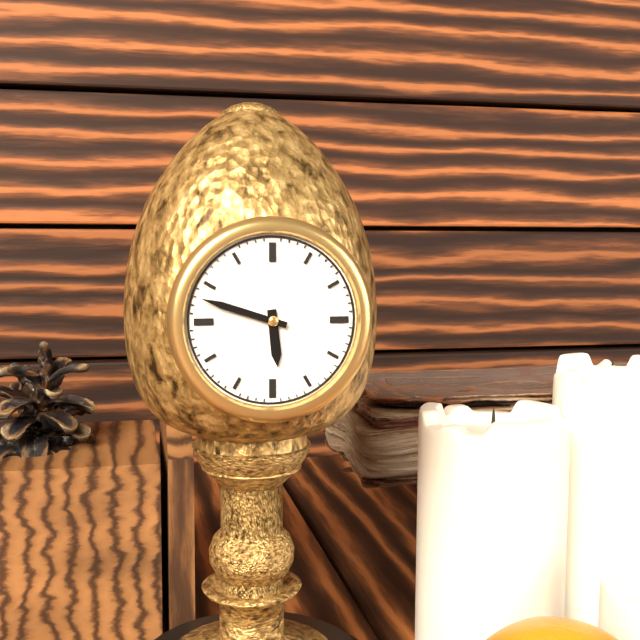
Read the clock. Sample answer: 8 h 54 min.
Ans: 5 h 48 min
